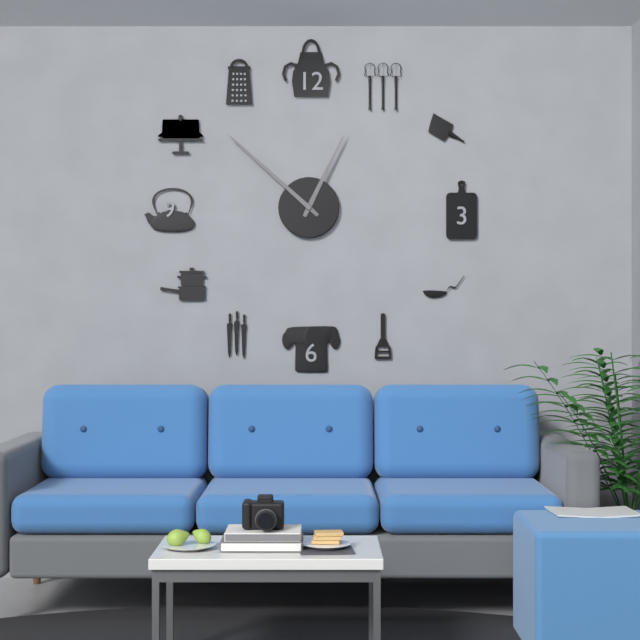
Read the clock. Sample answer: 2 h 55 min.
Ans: 12 h 52 min
